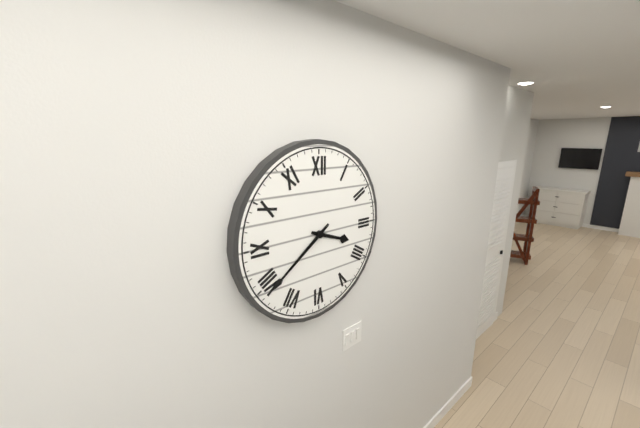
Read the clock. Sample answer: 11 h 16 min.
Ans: 3 h 39 min
